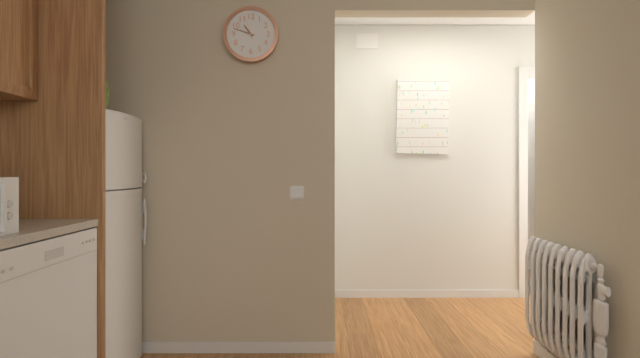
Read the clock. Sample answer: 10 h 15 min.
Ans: 10 h 48 min
